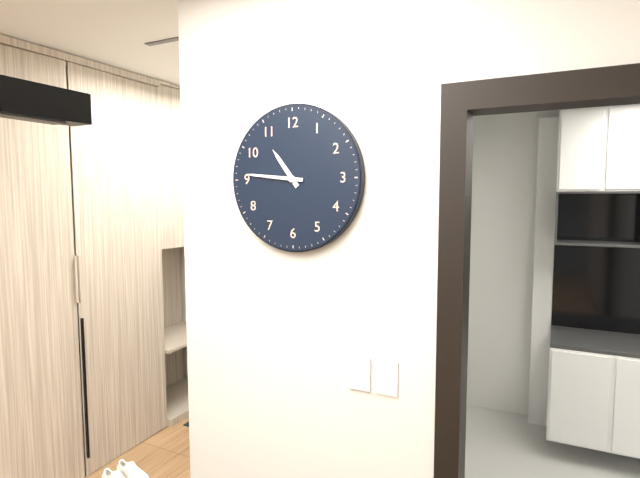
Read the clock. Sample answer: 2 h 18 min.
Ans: 10 h 46 min
